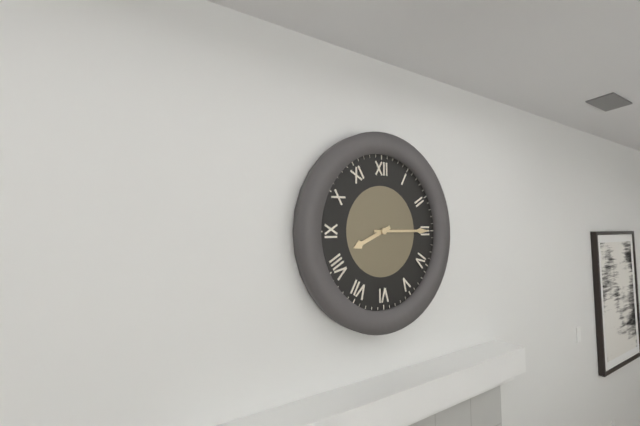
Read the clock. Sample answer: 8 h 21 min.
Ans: 8 h 15 min
